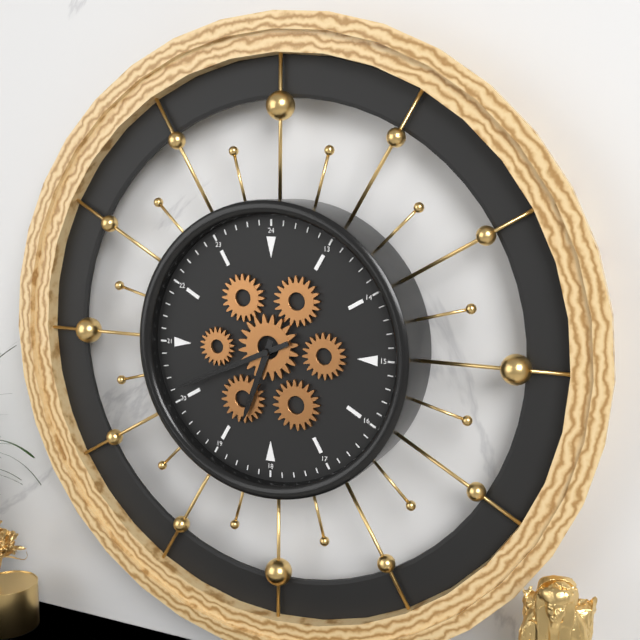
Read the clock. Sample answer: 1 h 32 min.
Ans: 6 h 41 min
